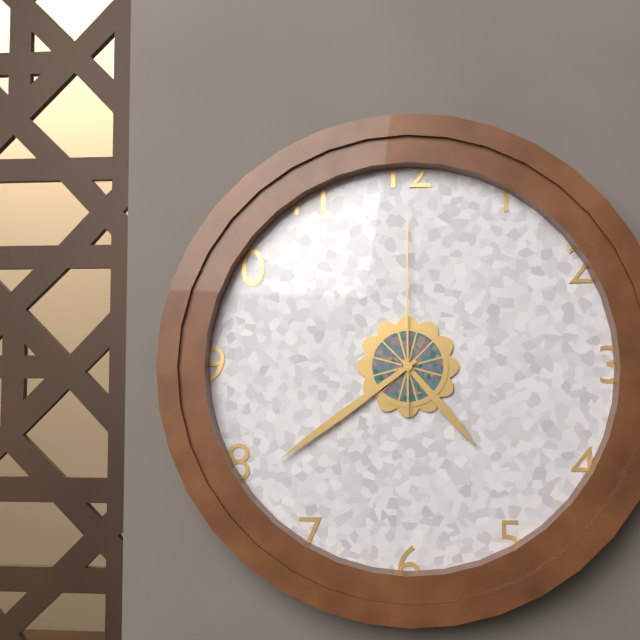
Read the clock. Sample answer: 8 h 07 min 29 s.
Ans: 4 h 39 min 00 s
